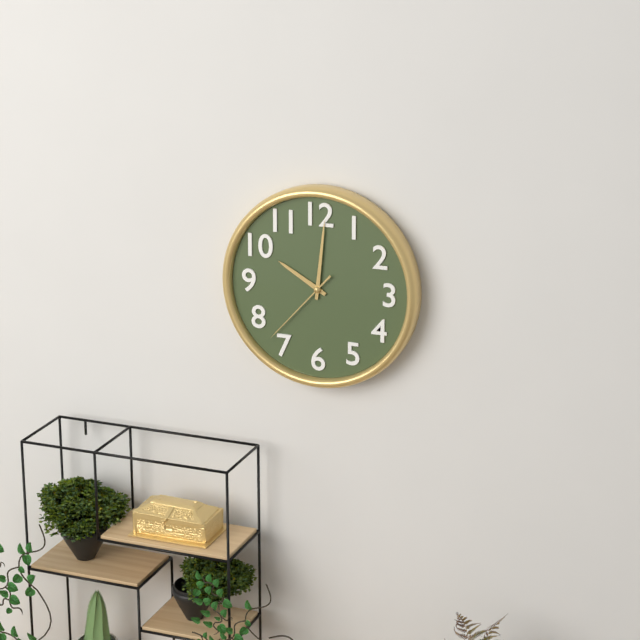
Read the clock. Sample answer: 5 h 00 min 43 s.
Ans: 10 h 01 min 37 s
